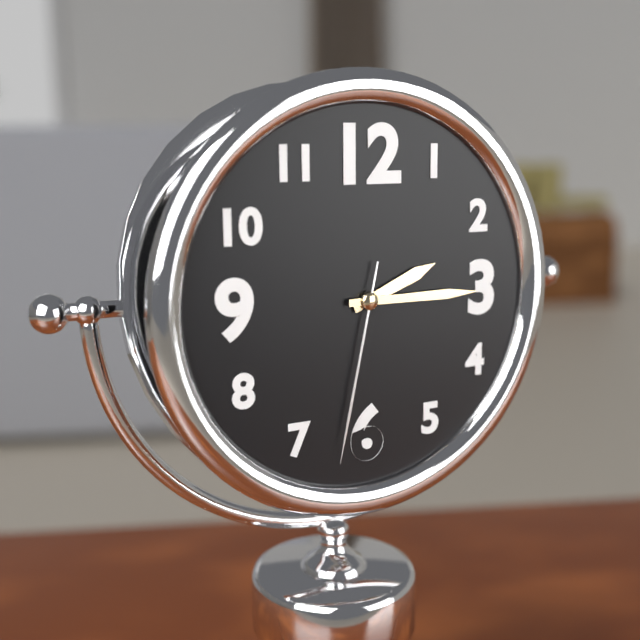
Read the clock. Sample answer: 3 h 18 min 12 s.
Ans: 2 h 15 min 32 s
